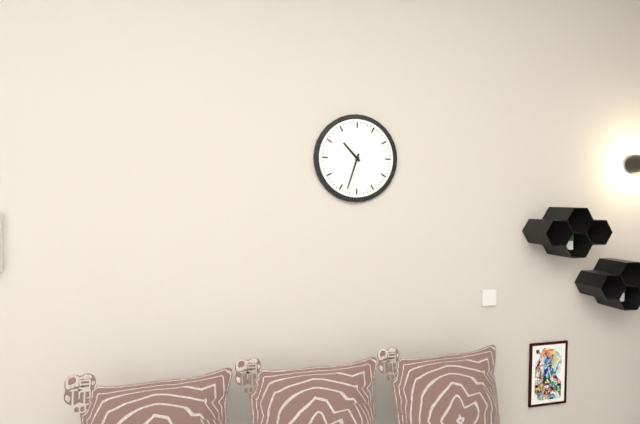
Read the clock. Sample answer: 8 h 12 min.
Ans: 10 h 33 min
